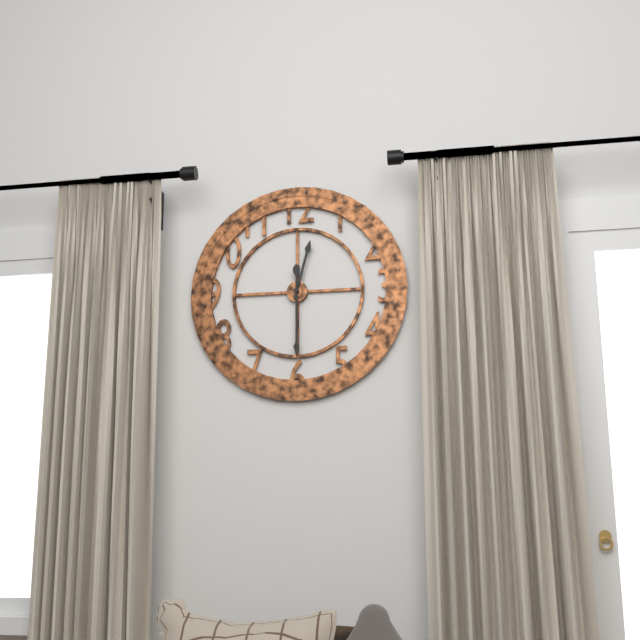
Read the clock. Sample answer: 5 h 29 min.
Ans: 12 h 30 min
